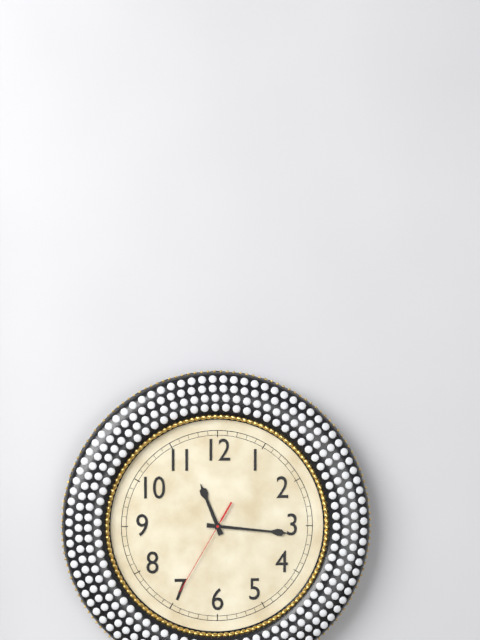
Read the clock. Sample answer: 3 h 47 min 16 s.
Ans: 11 h 16 min 35 s
